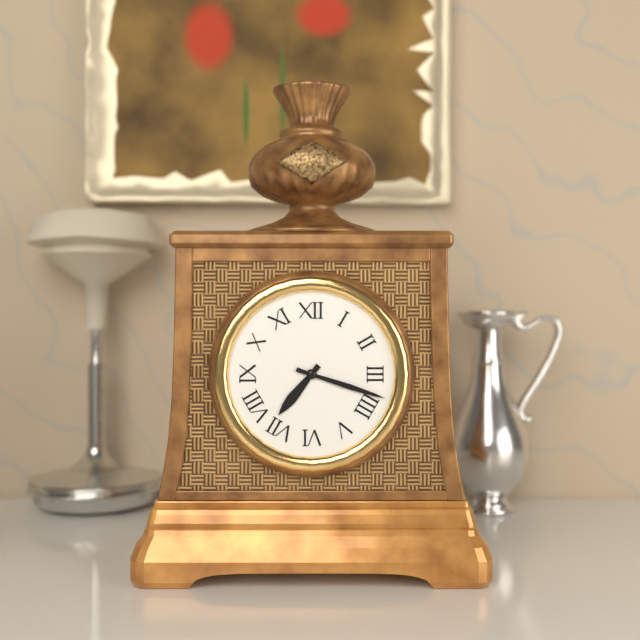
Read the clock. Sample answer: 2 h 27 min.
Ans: 7 h 18 min
